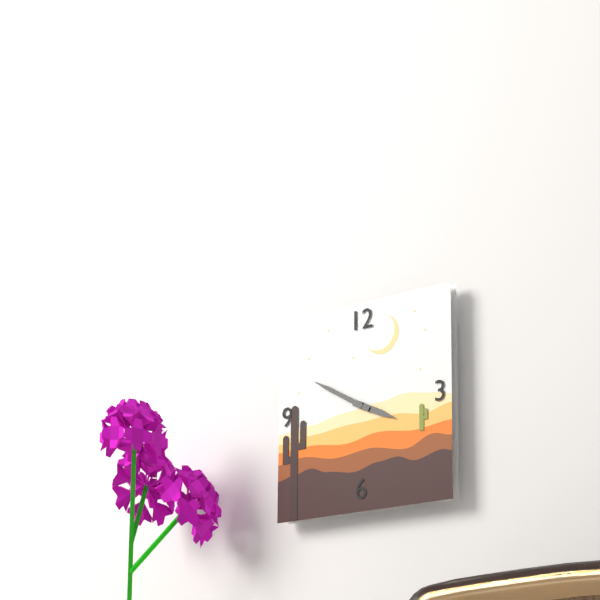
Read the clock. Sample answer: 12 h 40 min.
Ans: 3 h 50 min
